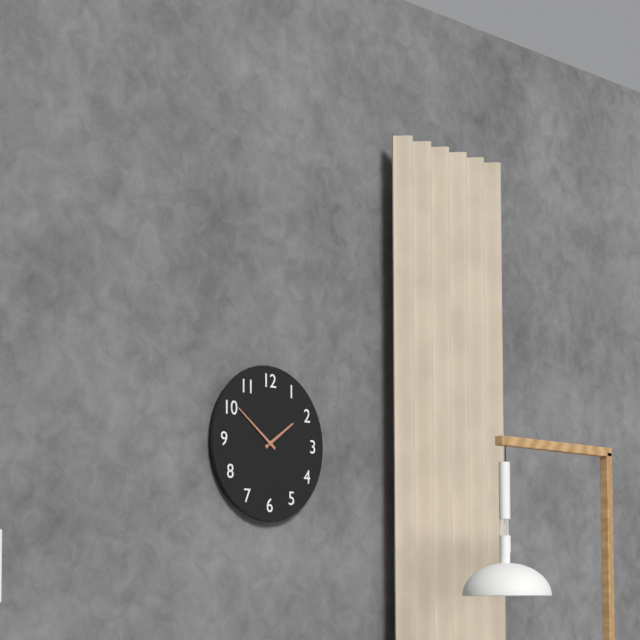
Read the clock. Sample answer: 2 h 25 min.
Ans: 1 h 51 min
